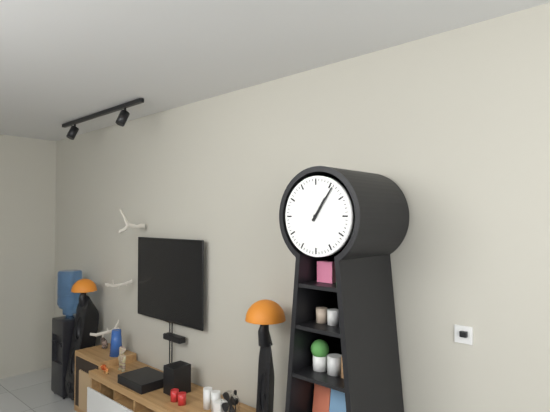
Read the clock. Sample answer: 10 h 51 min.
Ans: 1 h 06 min
